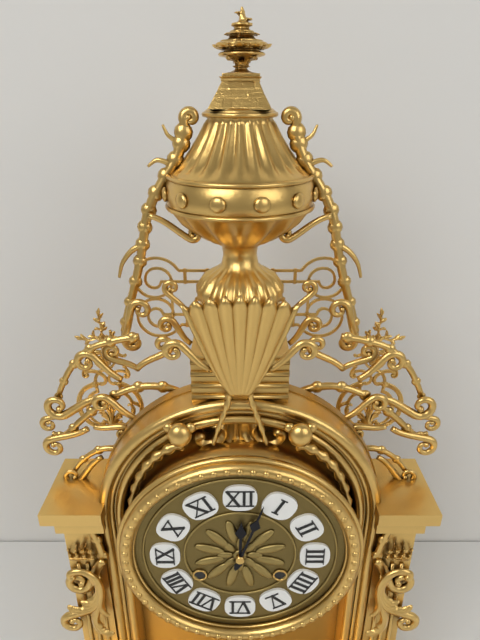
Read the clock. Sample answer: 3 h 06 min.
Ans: 12 h 03 min
